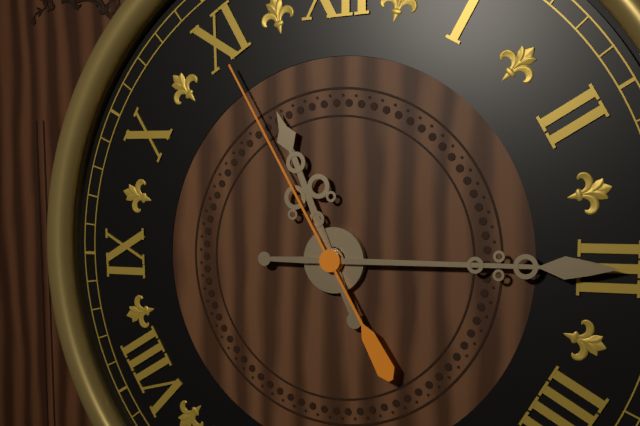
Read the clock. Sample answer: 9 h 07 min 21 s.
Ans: 11 h 15 min 55 s
